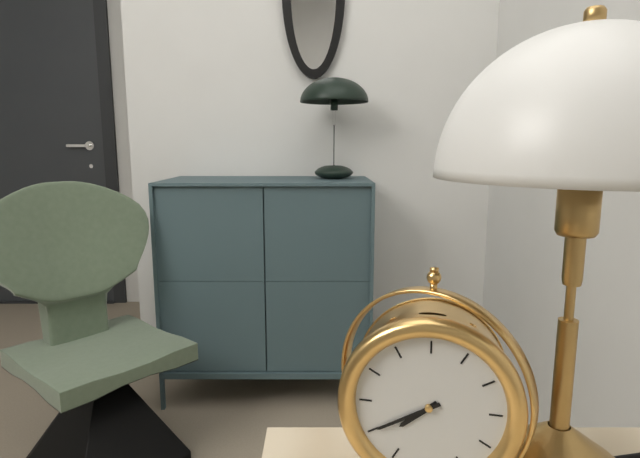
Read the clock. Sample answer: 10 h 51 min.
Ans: 7 h 40 min
